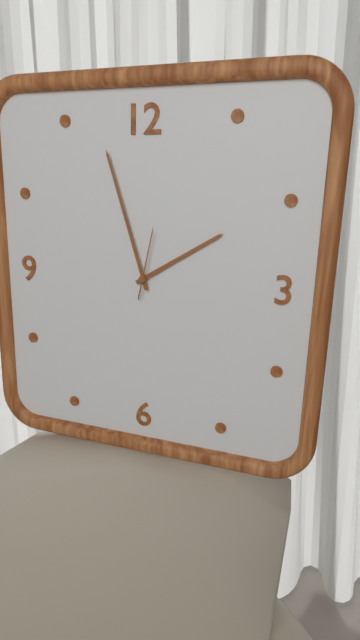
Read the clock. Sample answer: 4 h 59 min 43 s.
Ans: 1 h 57 min 02 s
